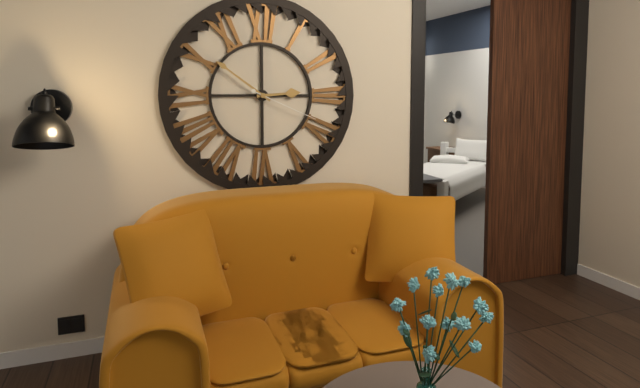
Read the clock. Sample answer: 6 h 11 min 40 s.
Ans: 2 h 51 min 19 s
